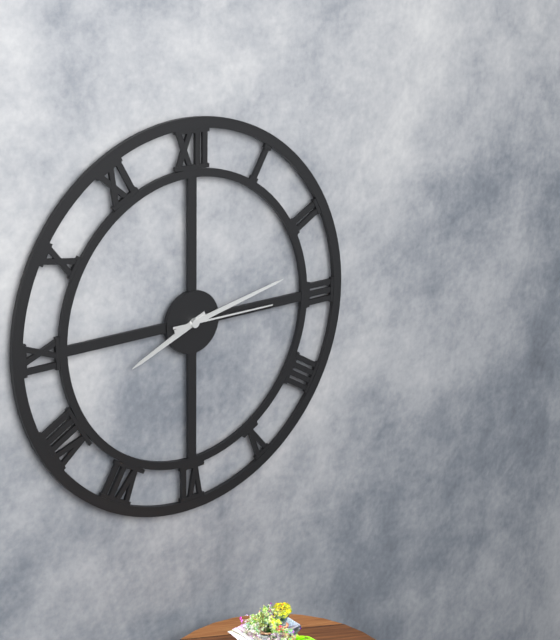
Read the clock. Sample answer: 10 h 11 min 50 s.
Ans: 8 h 13 min 15 s
